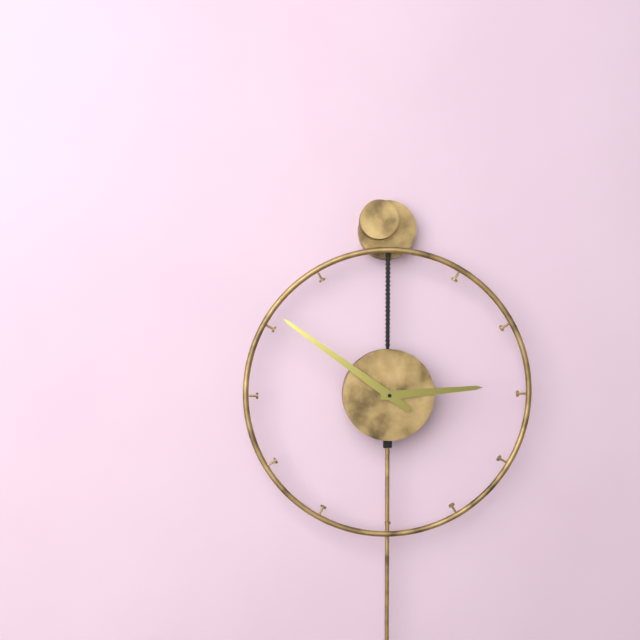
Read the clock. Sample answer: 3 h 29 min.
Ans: 2 h 51 min
